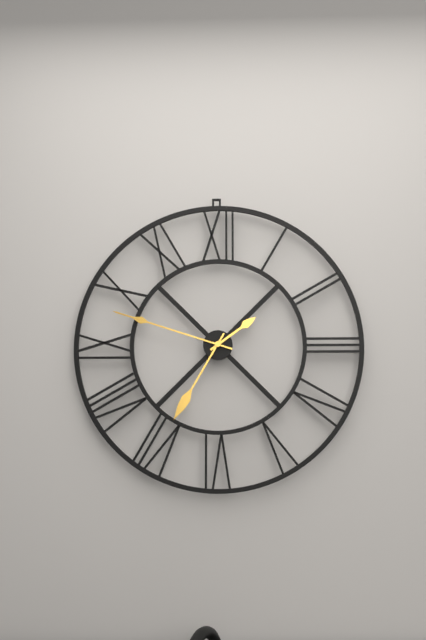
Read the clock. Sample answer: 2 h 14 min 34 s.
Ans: 1 h 48 min 35 s
